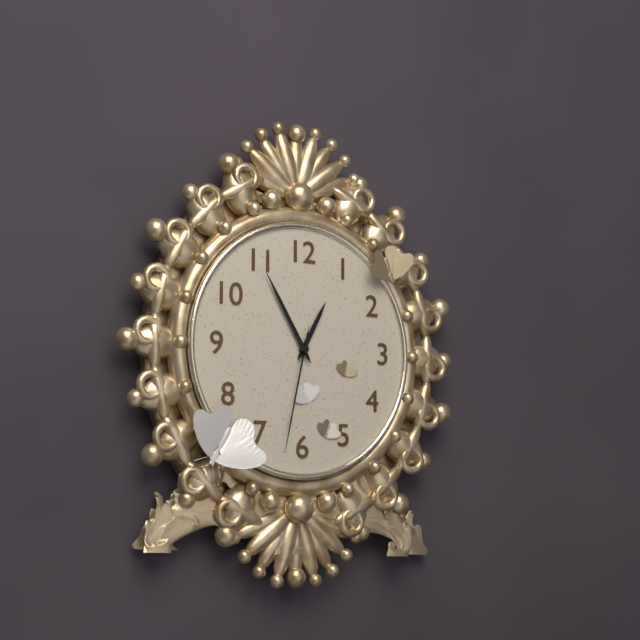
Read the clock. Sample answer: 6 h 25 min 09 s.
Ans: 12 h 55 min 32 s
